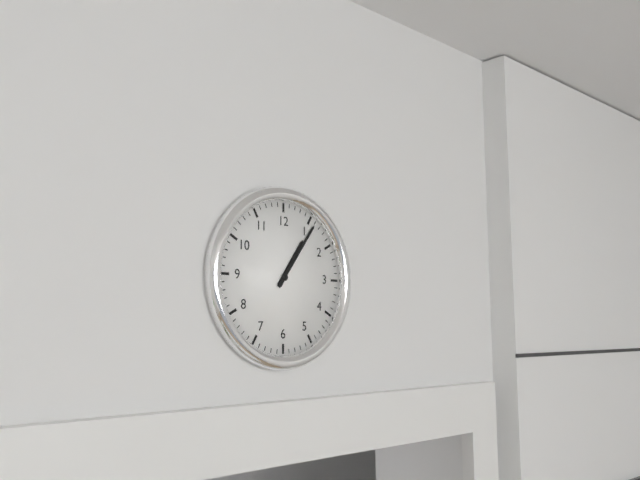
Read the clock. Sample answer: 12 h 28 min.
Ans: 1 h 06 min
